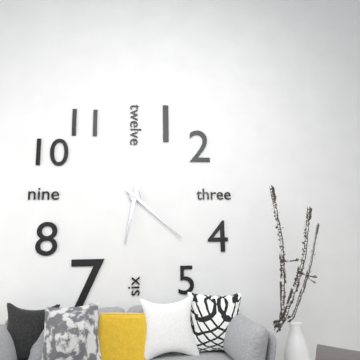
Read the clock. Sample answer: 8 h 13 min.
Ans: 6 h 22 min
